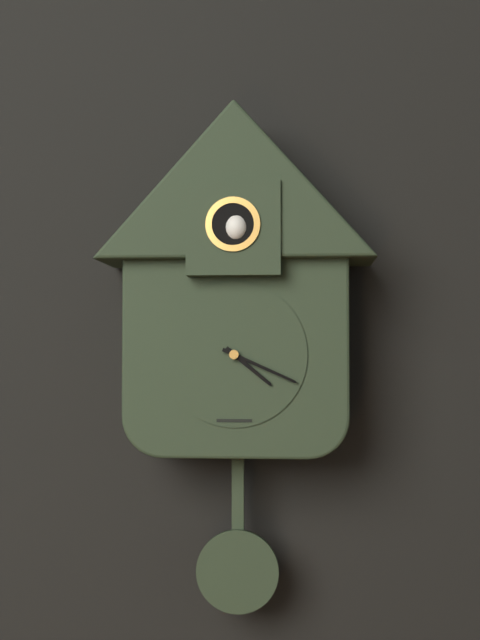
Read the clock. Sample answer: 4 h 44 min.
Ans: 4 h 19 min
